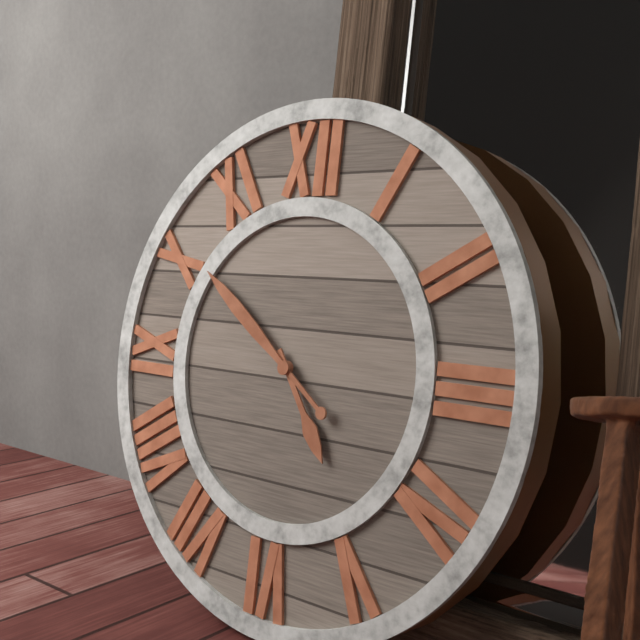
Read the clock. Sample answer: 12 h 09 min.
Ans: 4 h 51 min
